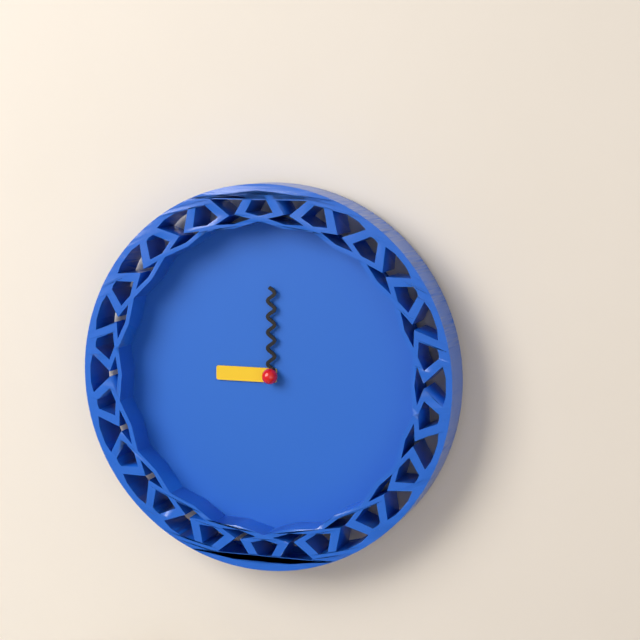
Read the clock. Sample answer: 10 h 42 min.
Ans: 9 h 00 min
